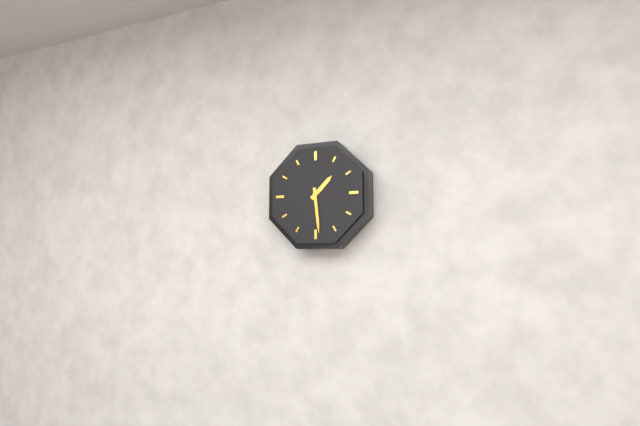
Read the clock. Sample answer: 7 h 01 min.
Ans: 1 h 29 min
